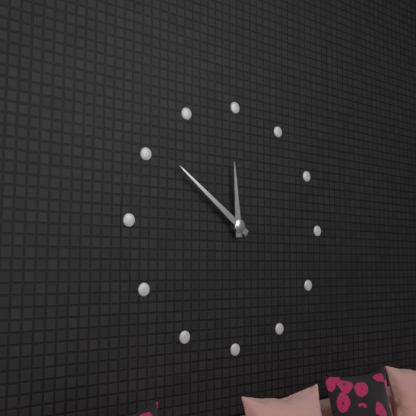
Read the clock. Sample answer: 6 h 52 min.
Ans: 11 h 51 min
